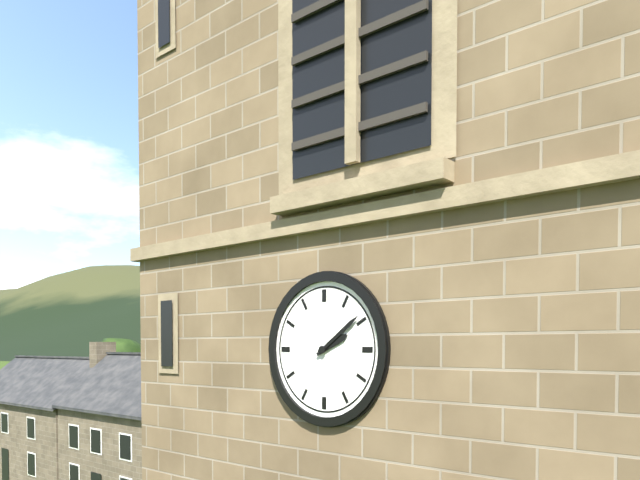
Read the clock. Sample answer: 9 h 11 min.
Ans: 2 h 09 min
